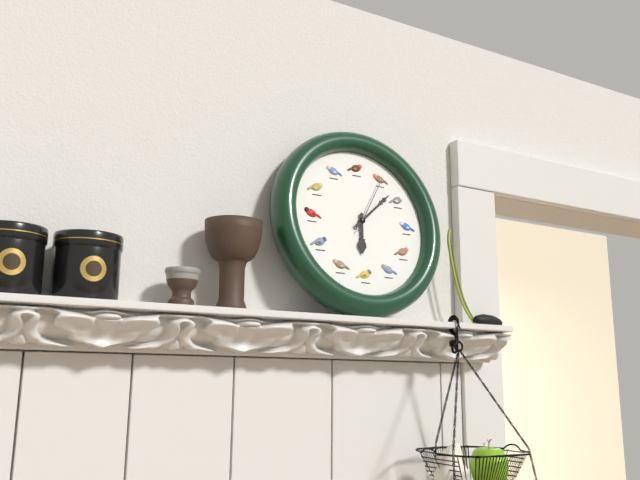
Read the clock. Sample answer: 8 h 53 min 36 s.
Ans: 6 h 08 min 05 s
